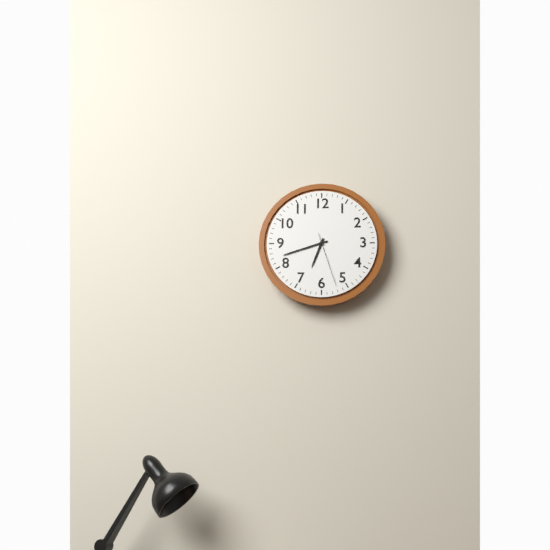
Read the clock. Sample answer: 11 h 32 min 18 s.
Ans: 6 h 42 min 27 s
